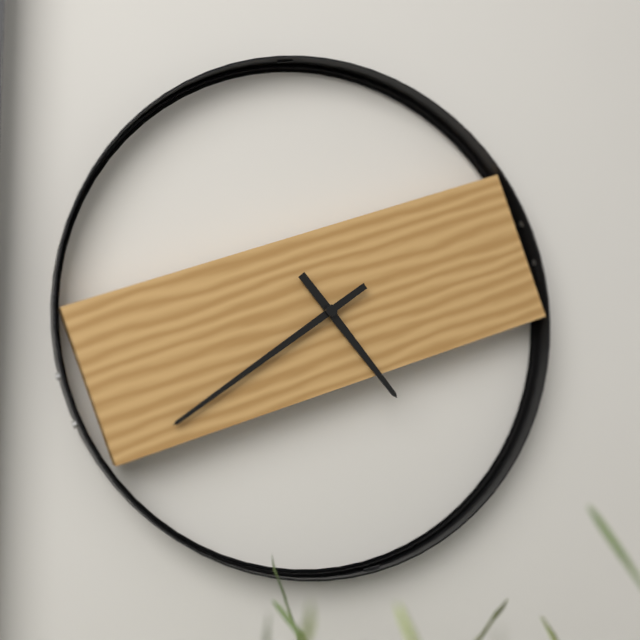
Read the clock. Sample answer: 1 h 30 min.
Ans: 4 h 39 min
